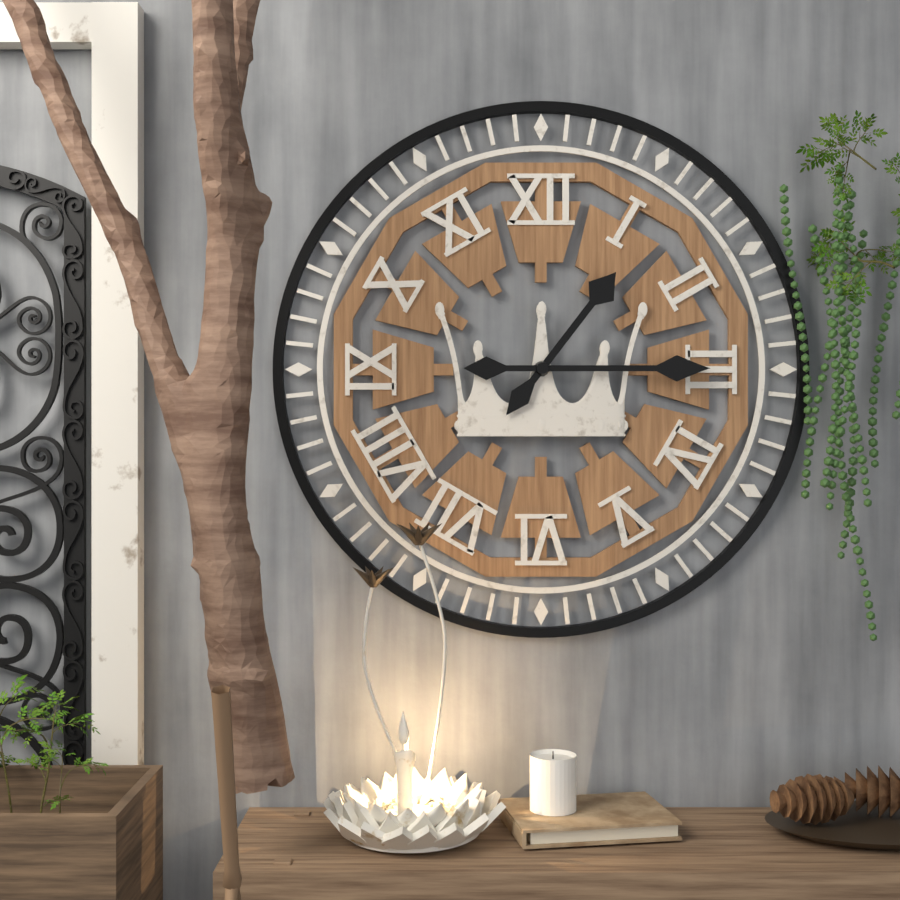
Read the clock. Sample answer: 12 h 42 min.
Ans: 1 h 15 min
